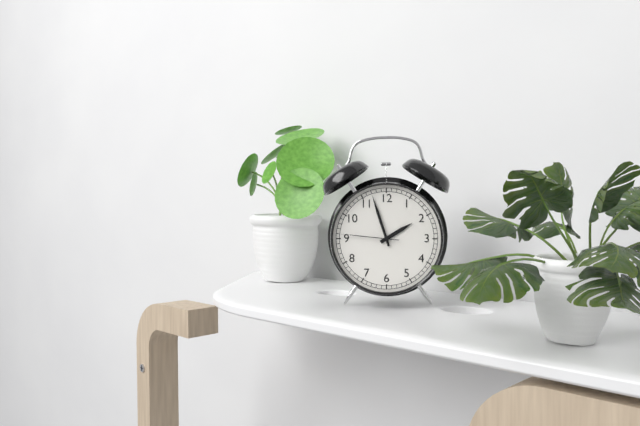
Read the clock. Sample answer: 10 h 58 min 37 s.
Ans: 1 h 57 min 46 s
